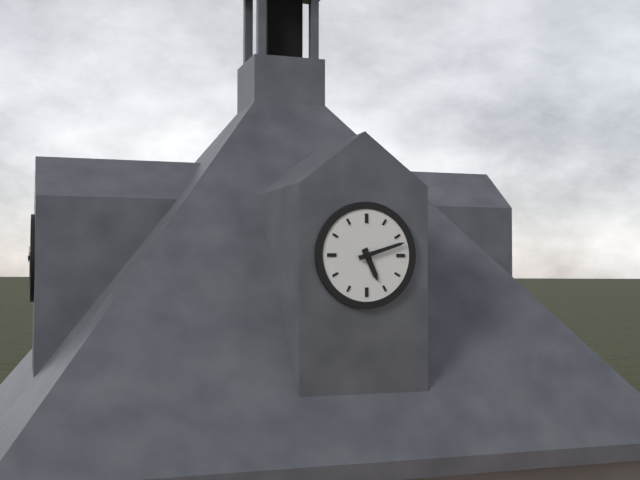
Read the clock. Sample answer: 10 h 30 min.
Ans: 5 h 12 min
